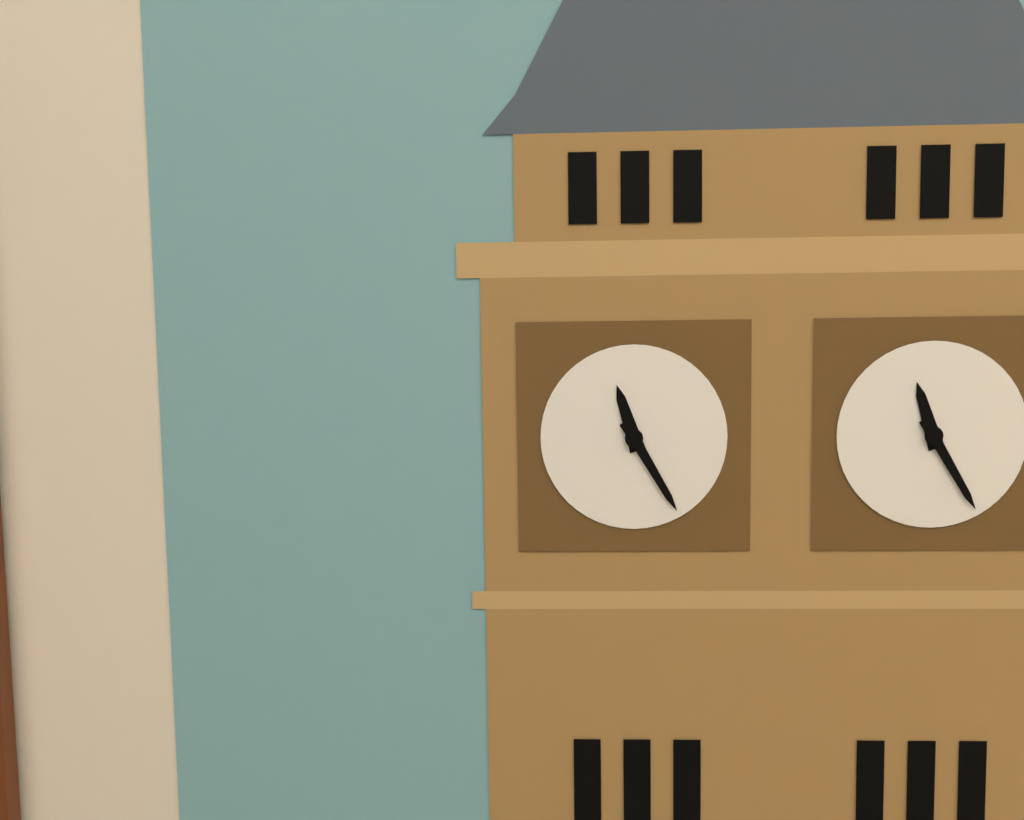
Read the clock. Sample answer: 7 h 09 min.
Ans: 11 h 25 min
